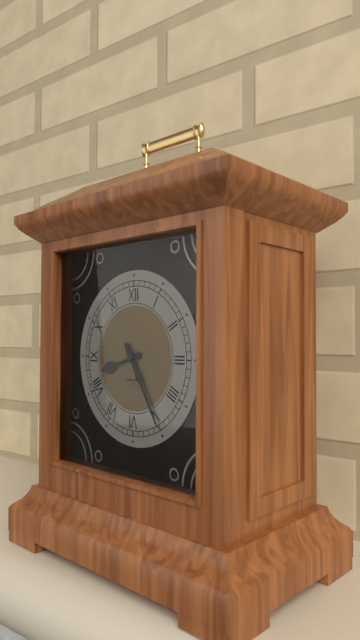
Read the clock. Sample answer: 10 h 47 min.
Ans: 8 h 25 min
